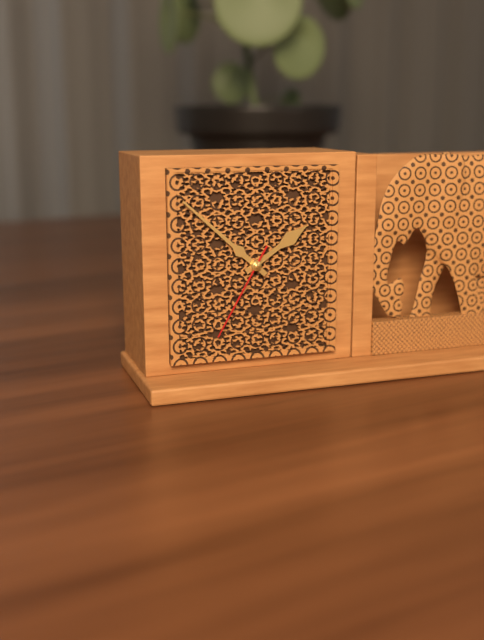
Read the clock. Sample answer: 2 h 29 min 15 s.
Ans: 1 h 52 min 35 s
